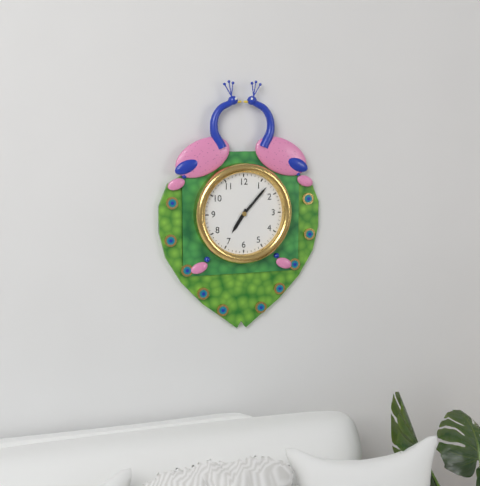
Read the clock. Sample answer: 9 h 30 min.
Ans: 7 h 07 min
